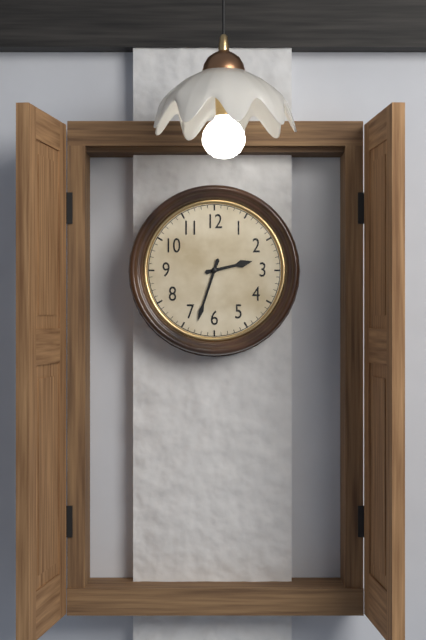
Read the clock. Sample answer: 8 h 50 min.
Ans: 2 h 33 min
